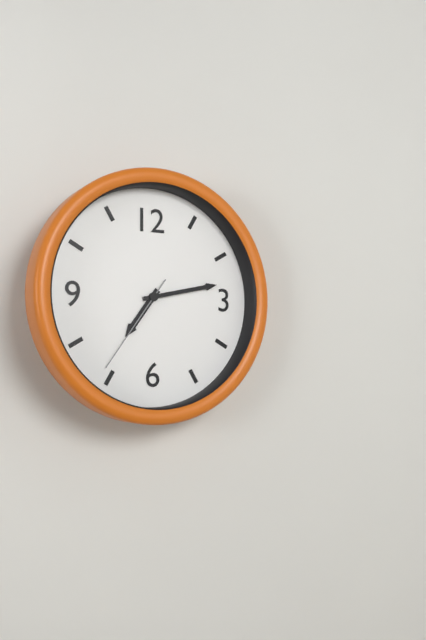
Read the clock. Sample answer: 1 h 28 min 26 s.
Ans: 7 h 13 min 36 s
